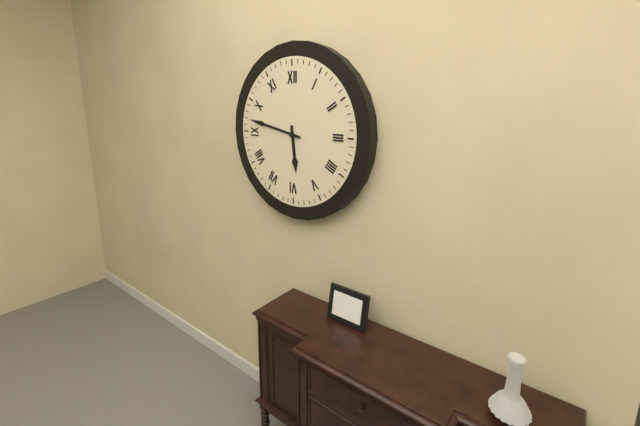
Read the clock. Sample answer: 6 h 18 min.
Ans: 5 h 47 min
